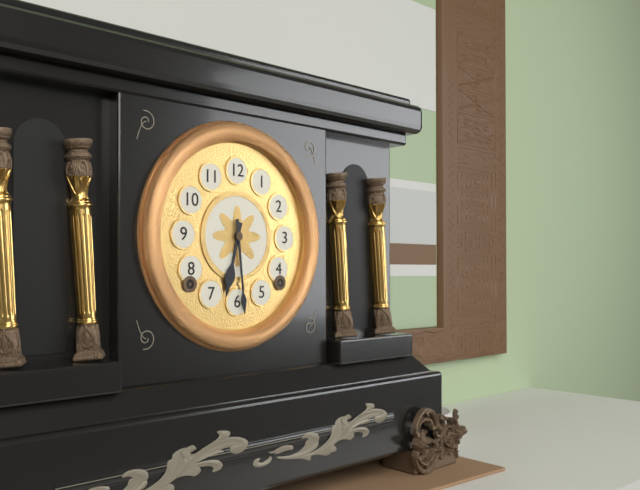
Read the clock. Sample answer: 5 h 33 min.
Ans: 6 h 29 min
